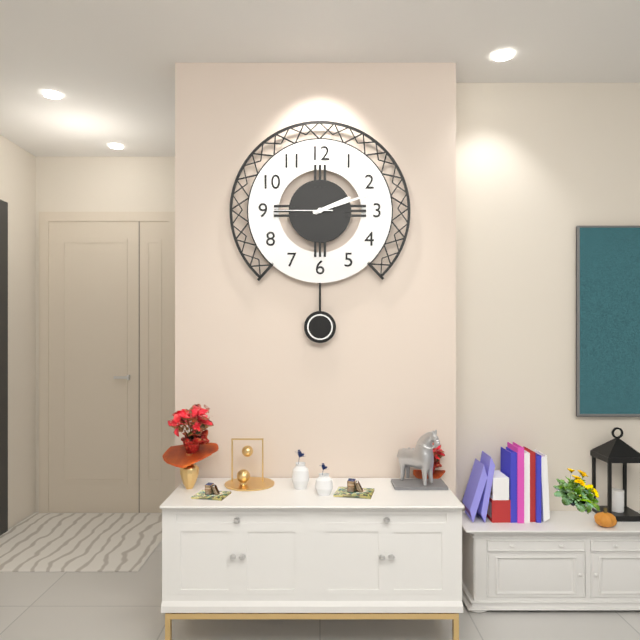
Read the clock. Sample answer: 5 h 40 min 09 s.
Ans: 2 h 12 min 45 s
